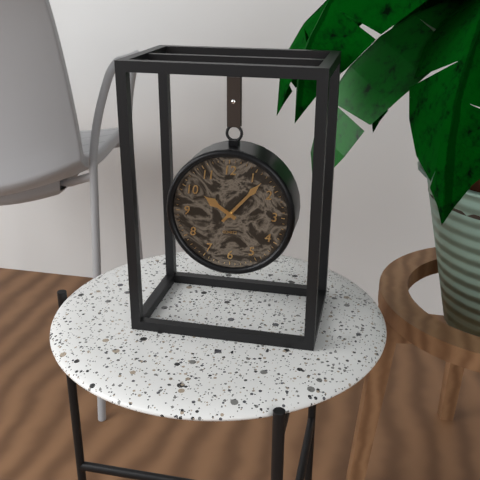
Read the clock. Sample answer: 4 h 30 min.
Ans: 10 h 07 min
